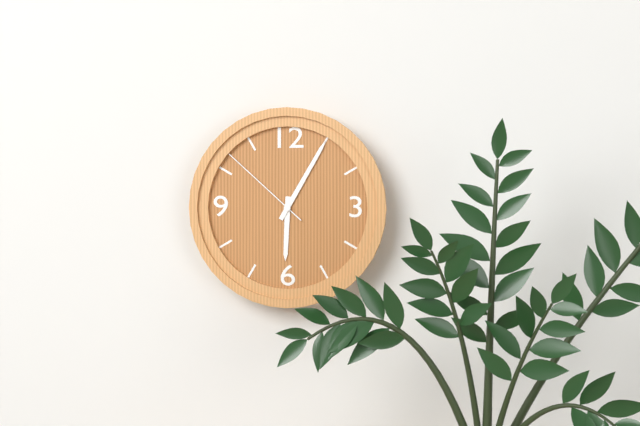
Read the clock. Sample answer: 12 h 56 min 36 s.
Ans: 6 h 05 min 52 s
